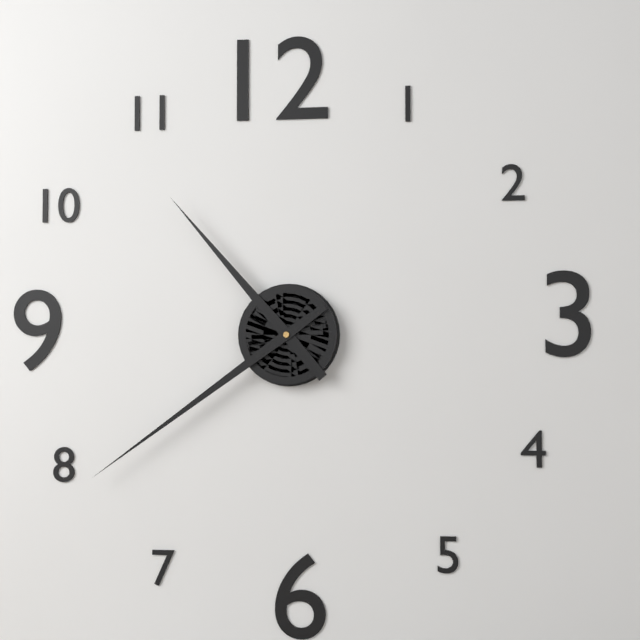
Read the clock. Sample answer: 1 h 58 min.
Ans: 10 h 39 min
